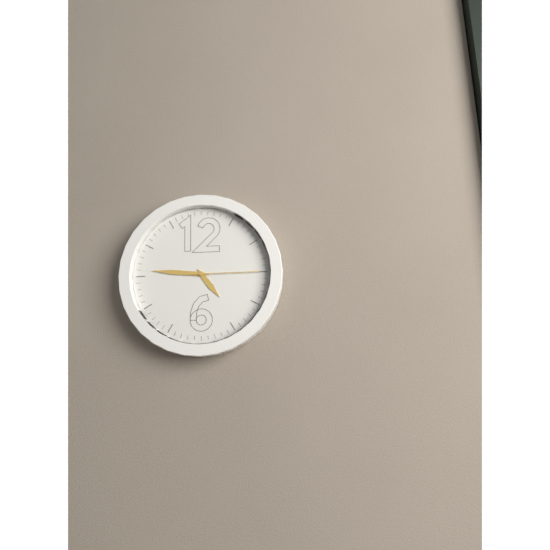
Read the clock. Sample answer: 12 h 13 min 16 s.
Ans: 4 h 46 min 15 s
